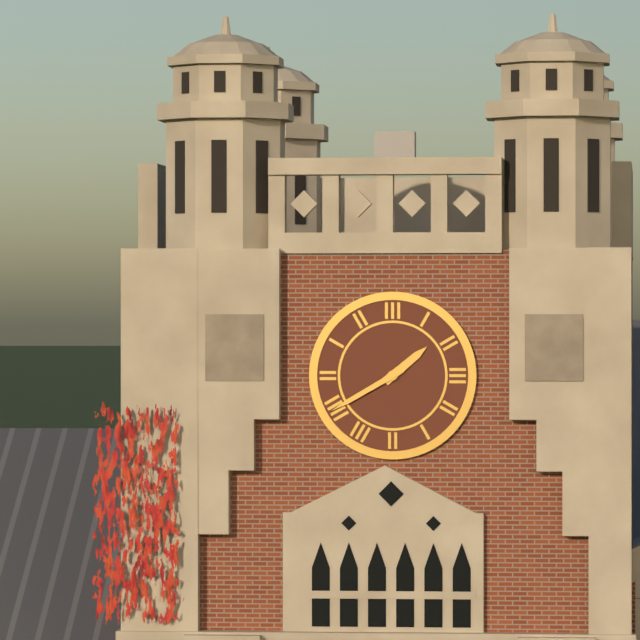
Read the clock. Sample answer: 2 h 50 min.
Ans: 1 h 40 min
